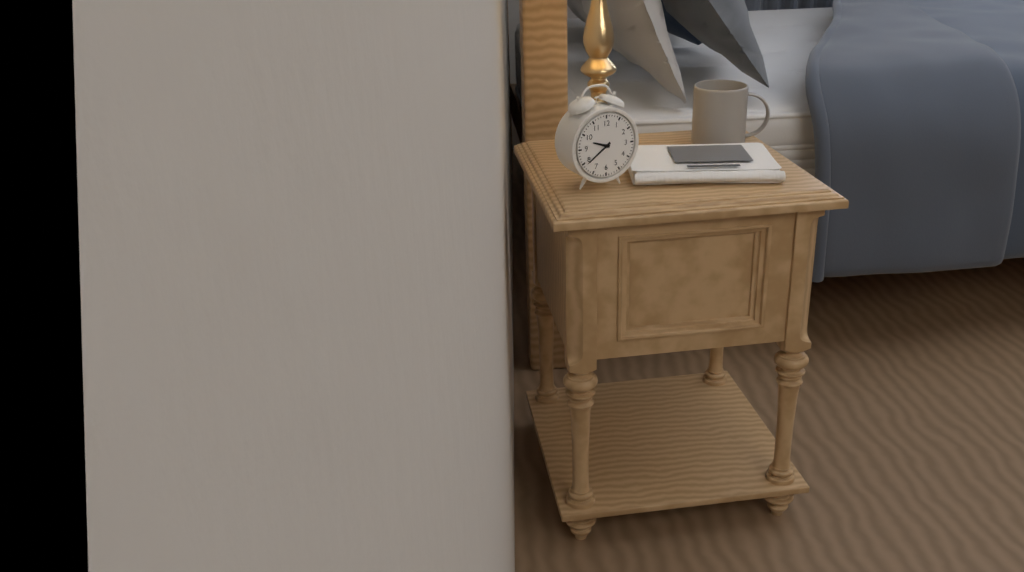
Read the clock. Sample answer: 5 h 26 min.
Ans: 9 h 39 min
